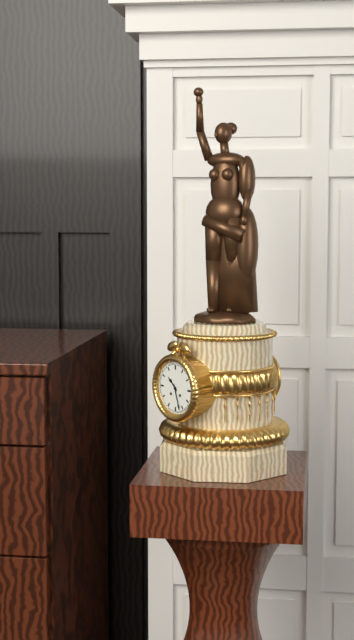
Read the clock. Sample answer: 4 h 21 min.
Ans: 10 h 27 min
